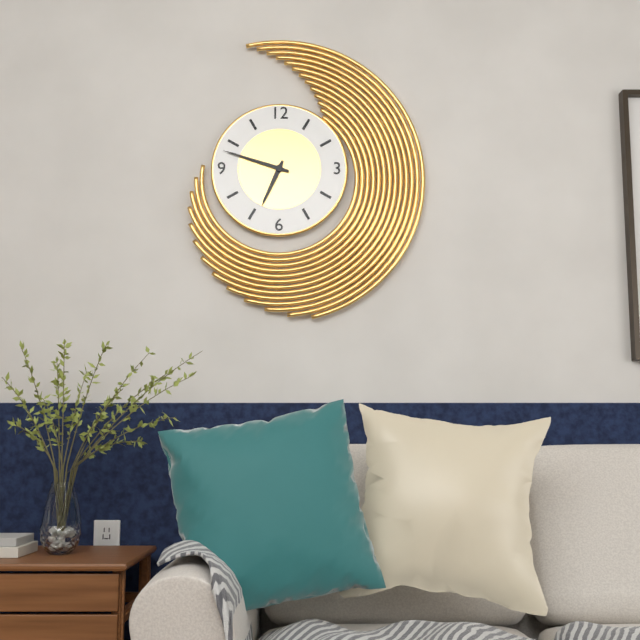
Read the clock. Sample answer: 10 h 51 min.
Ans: 6 h 48 min
